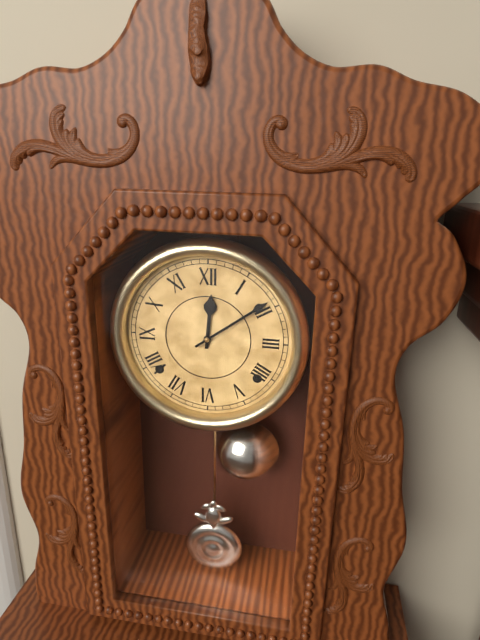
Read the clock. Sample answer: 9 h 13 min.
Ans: 12 h 09 min
